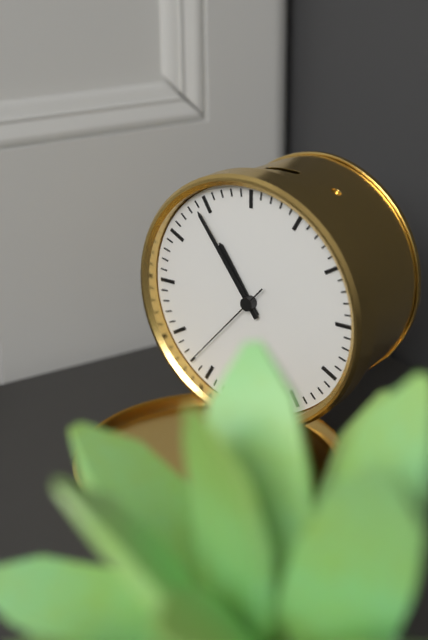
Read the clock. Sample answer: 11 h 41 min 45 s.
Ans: 10 h 54 min 37 s
